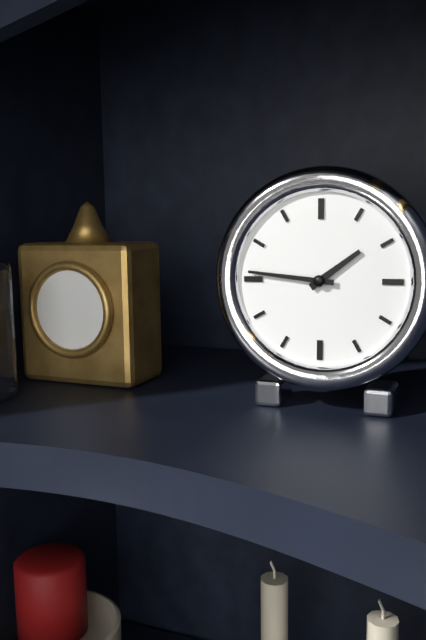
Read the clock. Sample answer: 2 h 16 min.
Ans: 1 h 46 min
